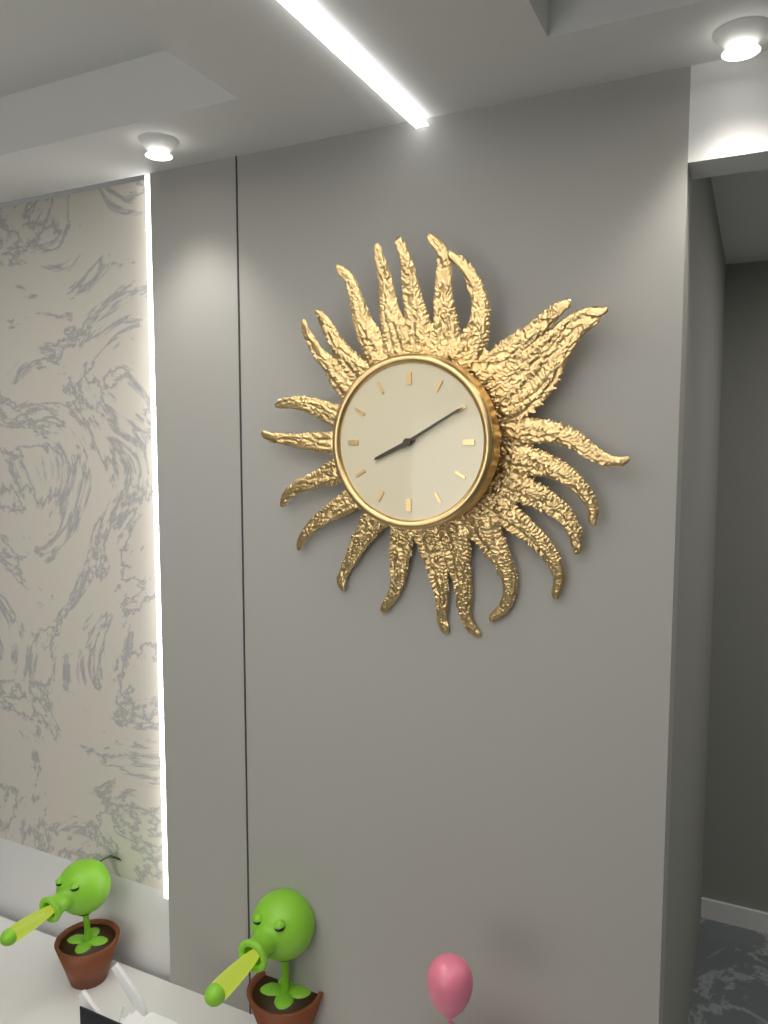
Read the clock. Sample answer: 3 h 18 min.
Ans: 8 h 10 min
